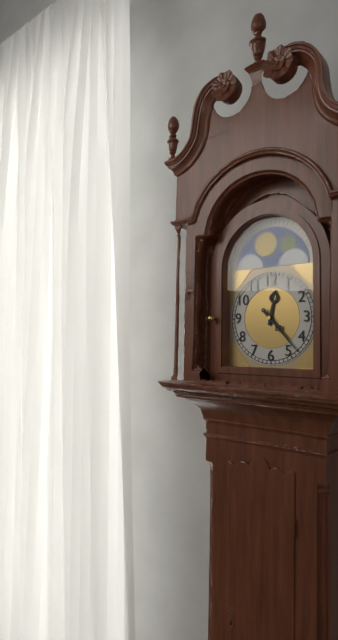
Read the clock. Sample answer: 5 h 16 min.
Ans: 12 h 23 min
